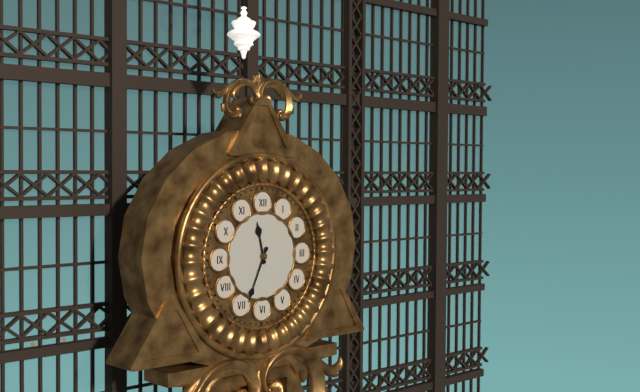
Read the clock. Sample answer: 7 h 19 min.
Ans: 11 h 34 min
